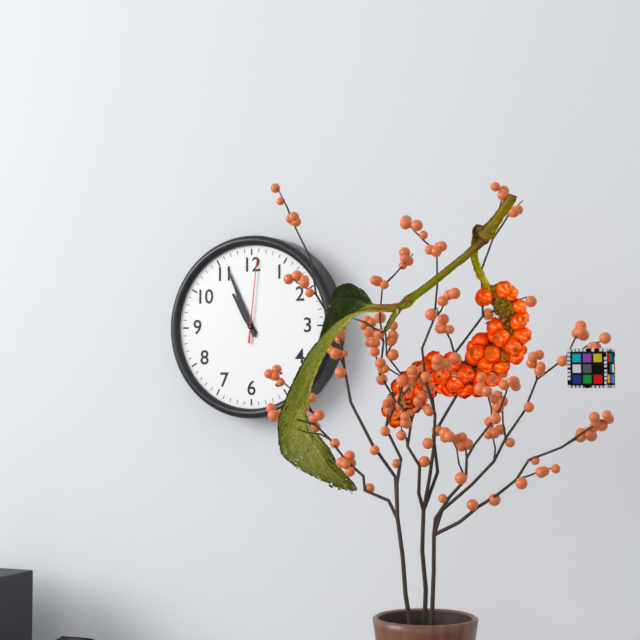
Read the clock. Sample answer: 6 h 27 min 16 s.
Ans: 10 h 56 min 01 s
